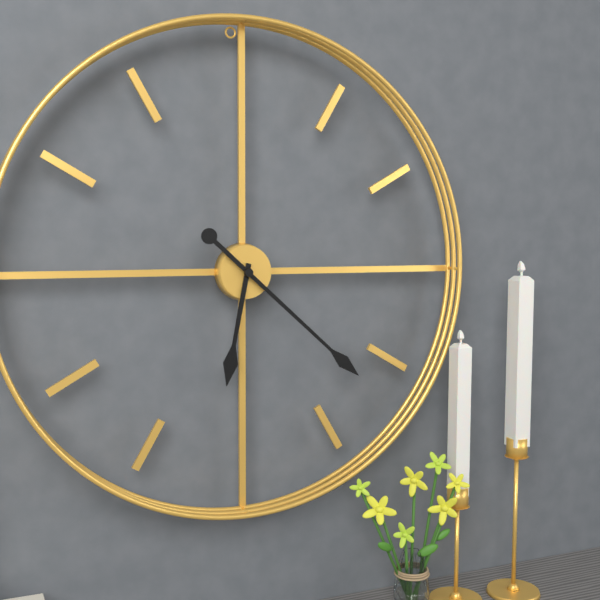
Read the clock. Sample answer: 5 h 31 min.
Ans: 6 h 22 min
